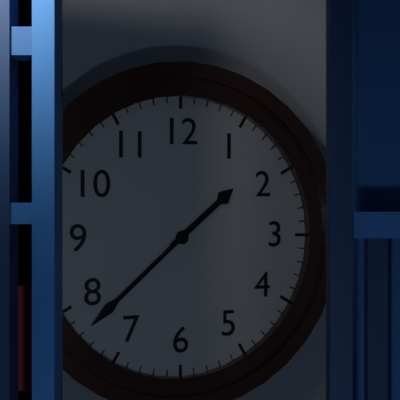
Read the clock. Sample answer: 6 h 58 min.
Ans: 1 h 38 min
